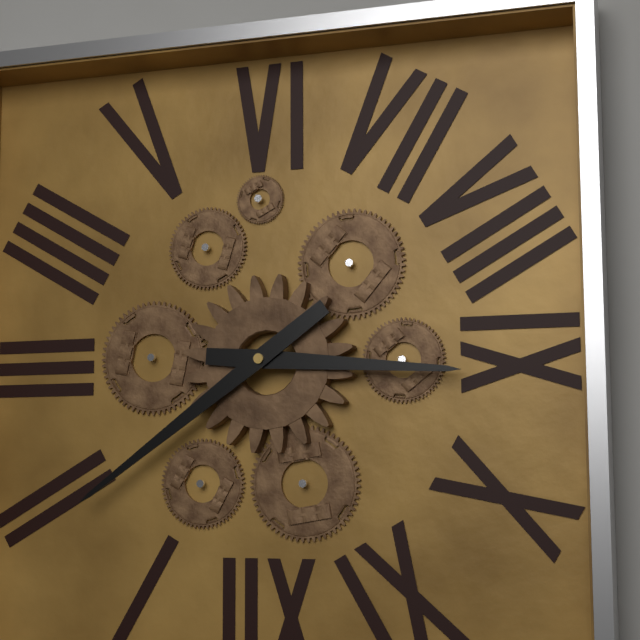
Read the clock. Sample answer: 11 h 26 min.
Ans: 9 h 09 min
